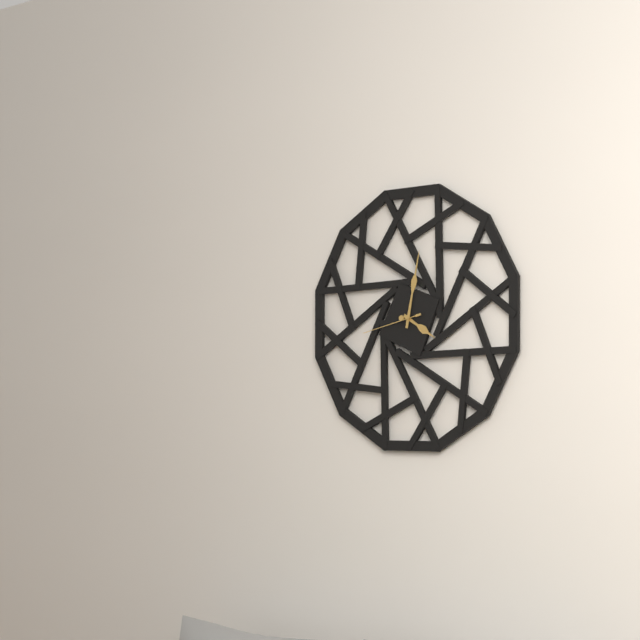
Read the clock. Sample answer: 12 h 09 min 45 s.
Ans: 4 h 02 min 43 s
